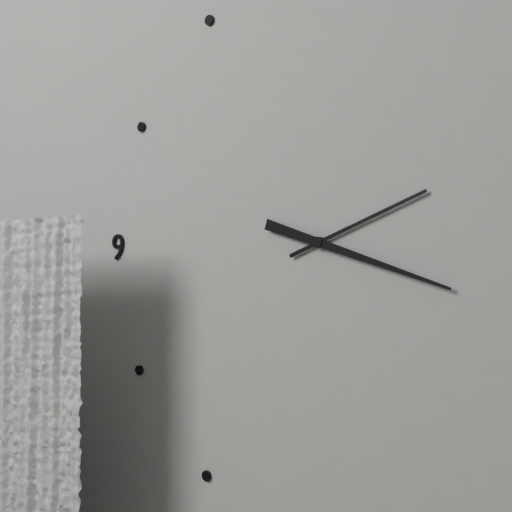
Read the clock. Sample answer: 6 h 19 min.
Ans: 2 h 18 min
